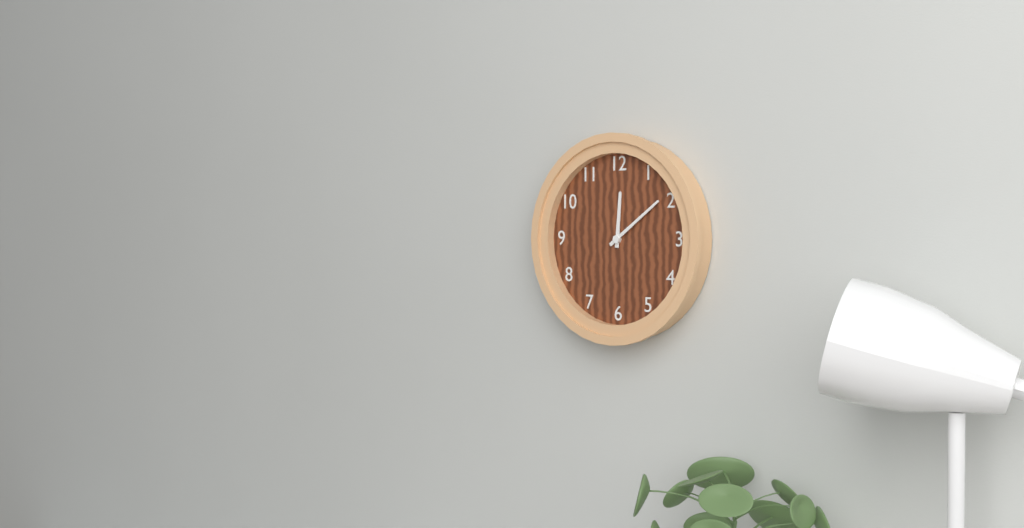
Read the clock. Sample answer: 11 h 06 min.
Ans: 12 h 09 min
